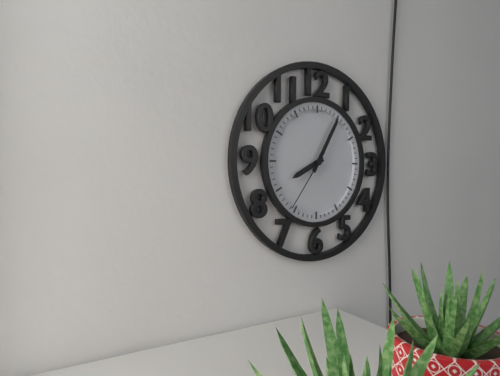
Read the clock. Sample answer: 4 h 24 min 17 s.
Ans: 8 h 05 min 36 s
